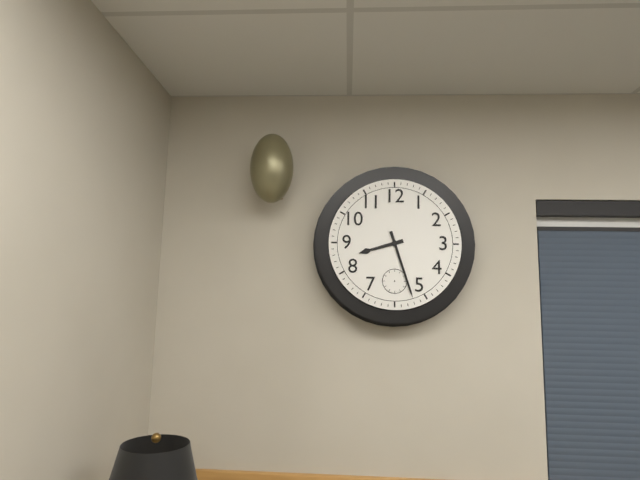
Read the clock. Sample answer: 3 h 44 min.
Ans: 8 h 27 min
